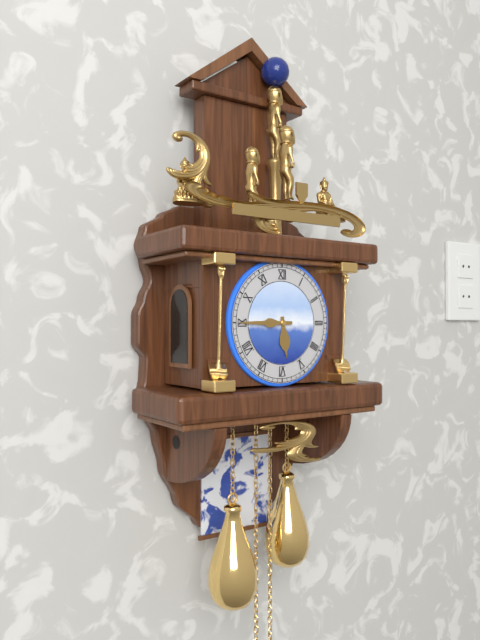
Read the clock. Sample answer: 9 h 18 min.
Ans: 5 h 45 min
